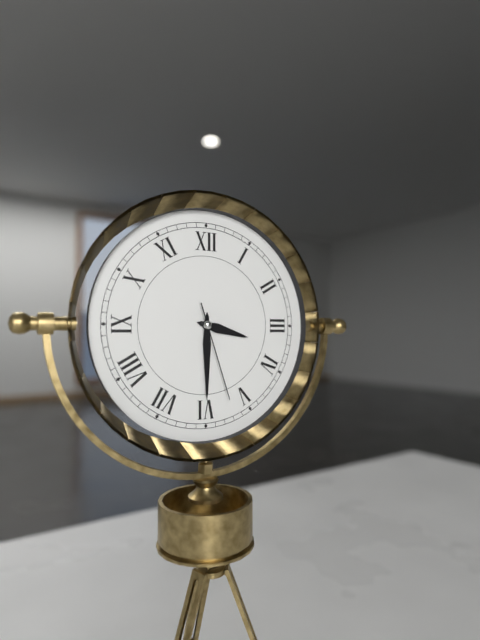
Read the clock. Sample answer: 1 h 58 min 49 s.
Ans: 3 h 30 min 27 s
